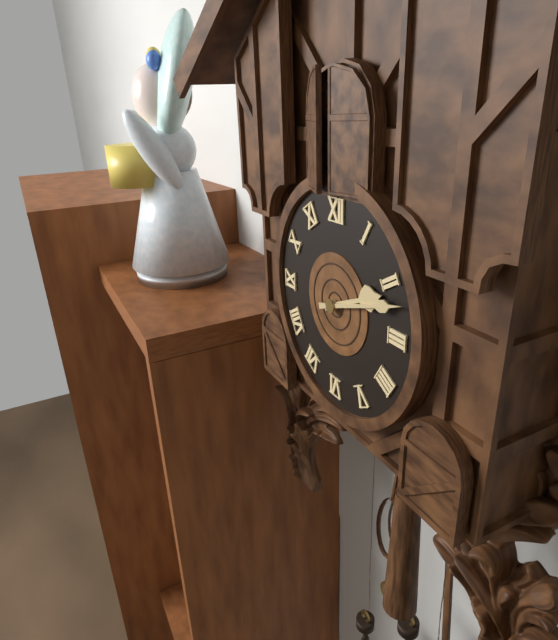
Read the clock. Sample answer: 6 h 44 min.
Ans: 2 h 12 min
